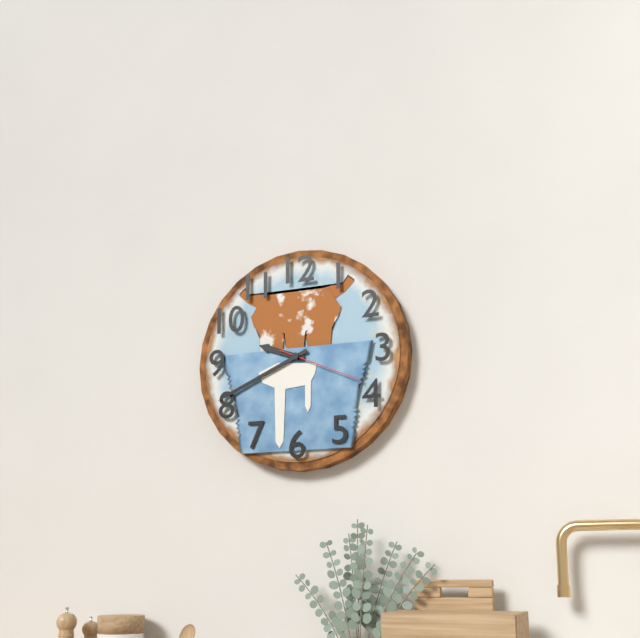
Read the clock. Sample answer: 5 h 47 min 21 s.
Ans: 9 h 41 min 19 s
